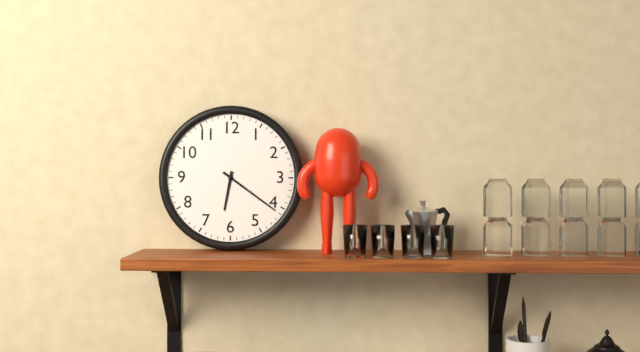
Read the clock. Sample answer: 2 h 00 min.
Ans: 6 h 21 min
